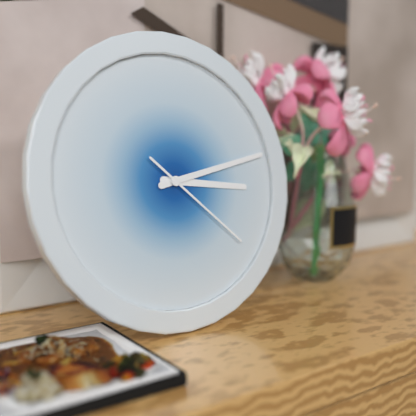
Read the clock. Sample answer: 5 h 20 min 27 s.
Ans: 3 h 13 min 22 s
